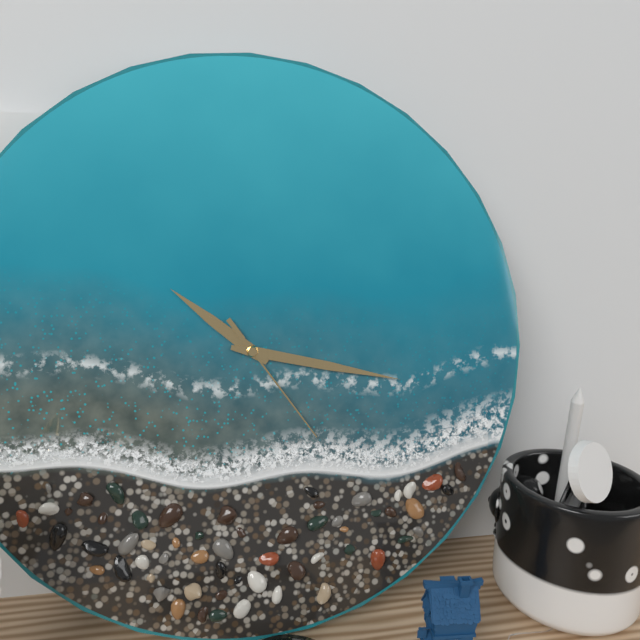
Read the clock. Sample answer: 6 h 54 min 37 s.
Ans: 10 h 17 min 24 s
